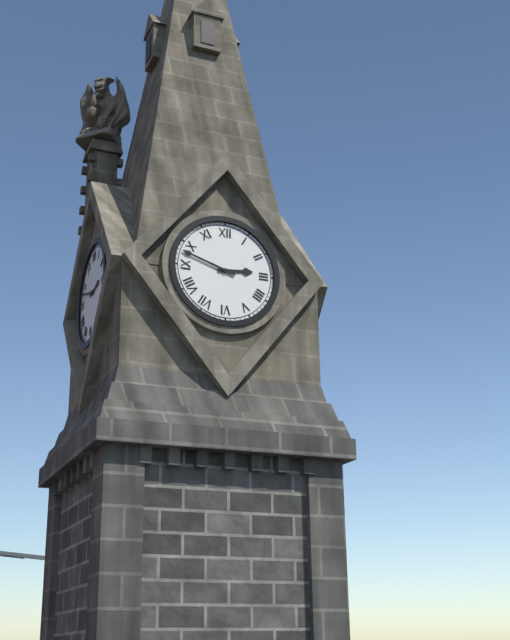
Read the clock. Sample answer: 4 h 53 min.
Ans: 2 h 48 min
